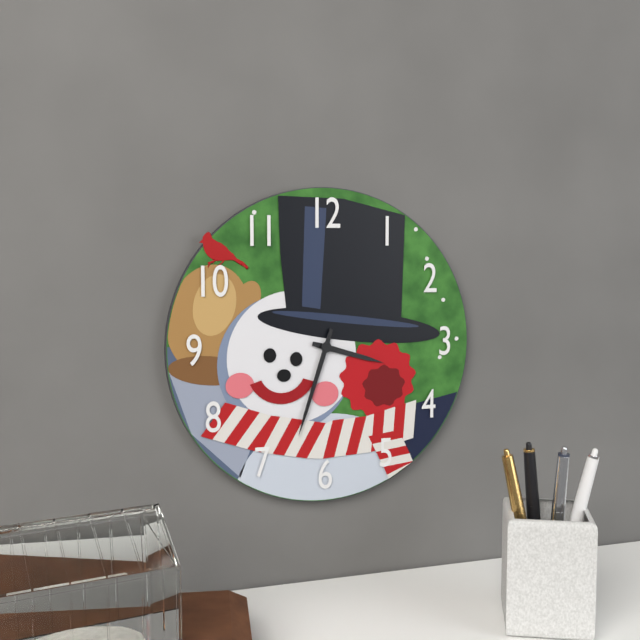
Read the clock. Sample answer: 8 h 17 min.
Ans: 3 h 33 min
